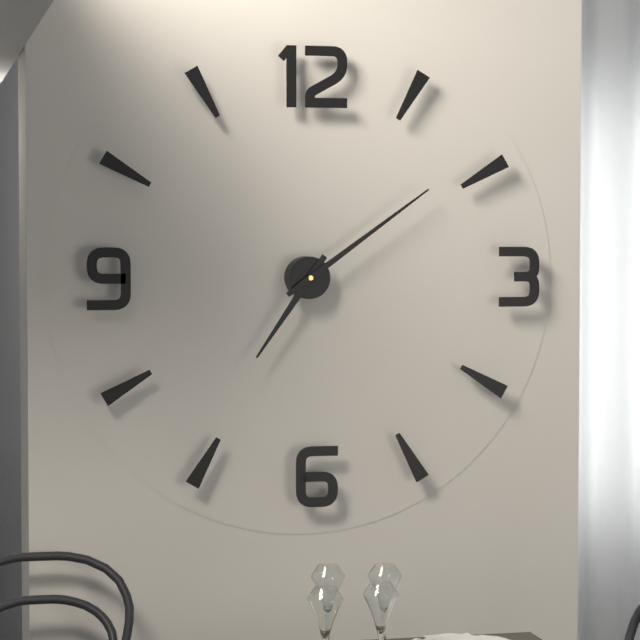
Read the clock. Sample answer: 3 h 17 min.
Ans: 7 h 09 min
